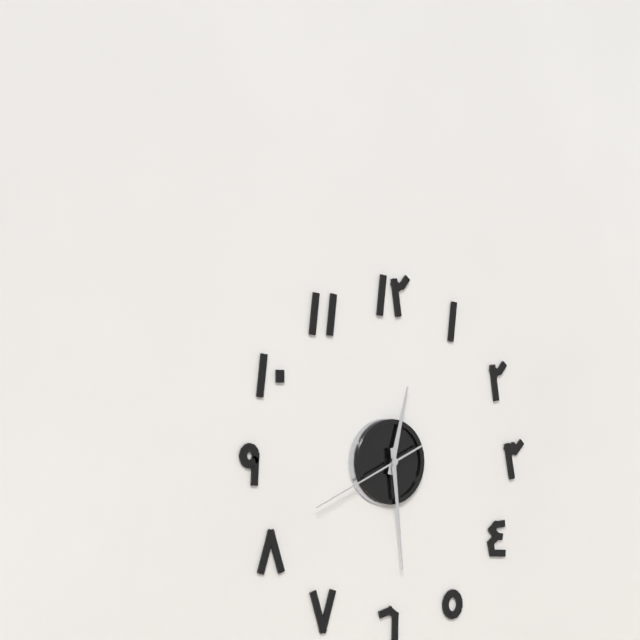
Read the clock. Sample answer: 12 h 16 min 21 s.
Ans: 12 h 29 min 41 s
